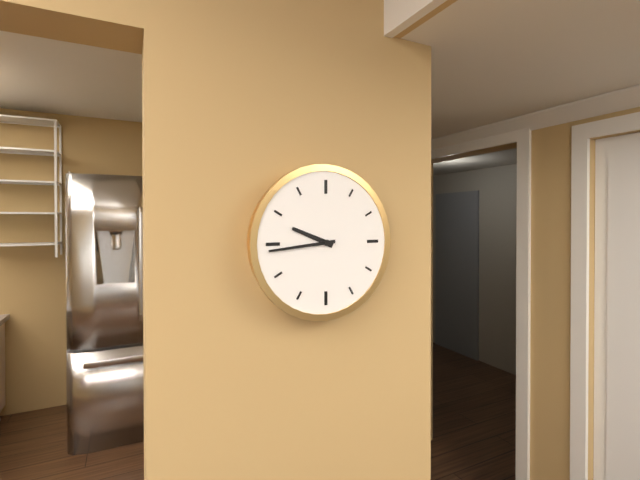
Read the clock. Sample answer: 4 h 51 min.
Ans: 9 h 44 min
